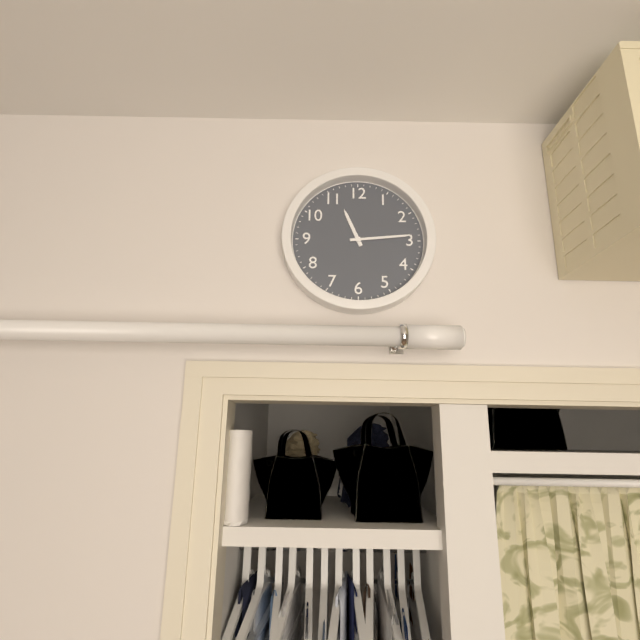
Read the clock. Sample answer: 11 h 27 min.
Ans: 11 h 14 min
